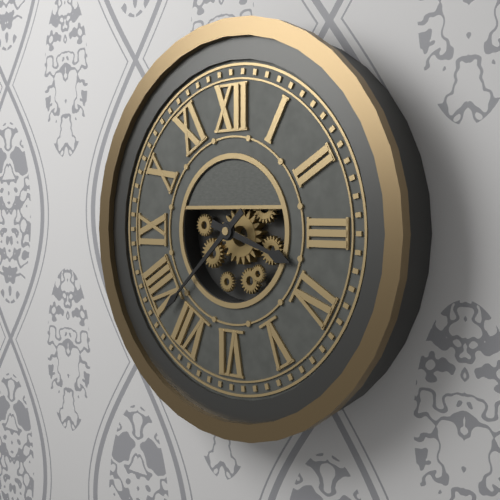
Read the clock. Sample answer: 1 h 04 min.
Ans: 3 h 38 min
